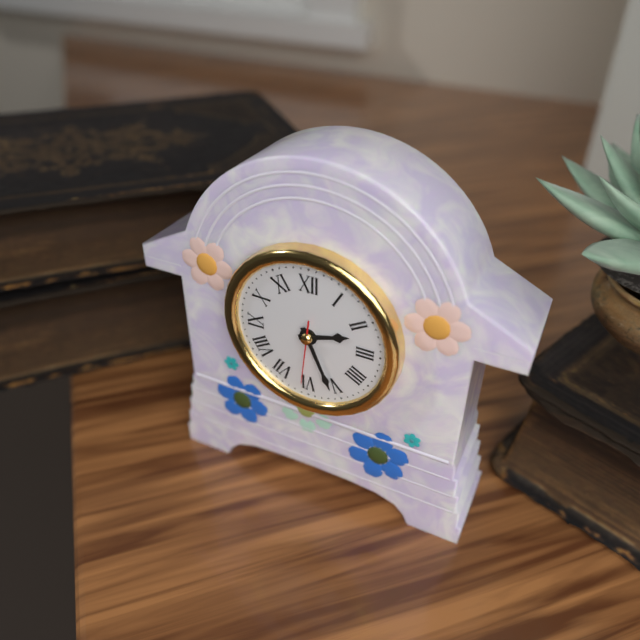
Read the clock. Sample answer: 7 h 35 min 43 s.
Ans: 2 h 26 min 31 s
